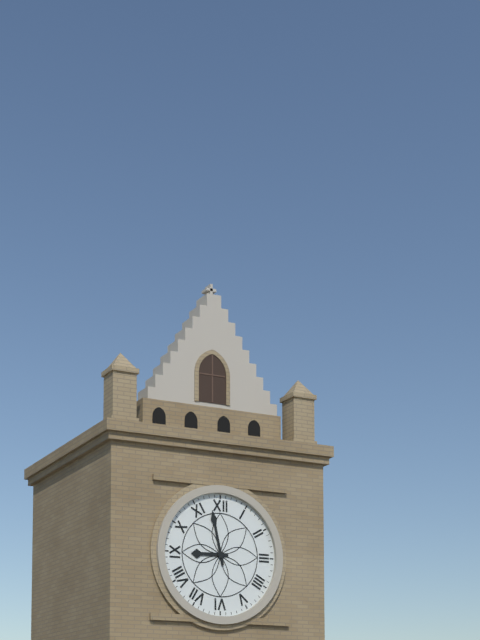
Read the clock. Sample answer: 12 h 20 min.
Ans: 8 h 58 min
